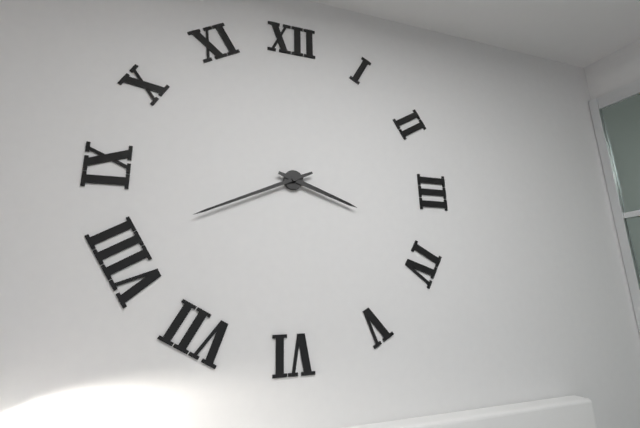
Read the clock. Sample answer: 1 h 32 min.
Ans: 3 h 41 min
